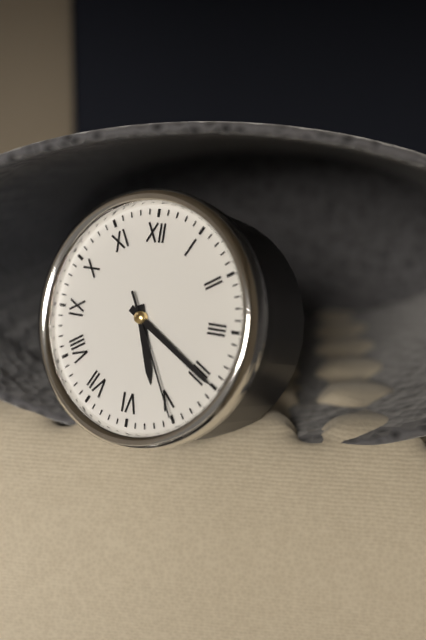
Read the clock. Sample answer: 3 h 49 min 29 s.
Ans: 5 h 20 min 25 s
